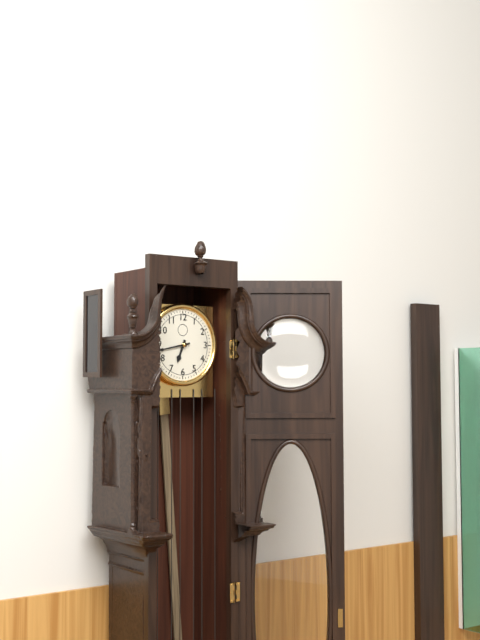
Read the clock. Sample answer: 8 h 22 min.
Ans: 6 h 43 min
